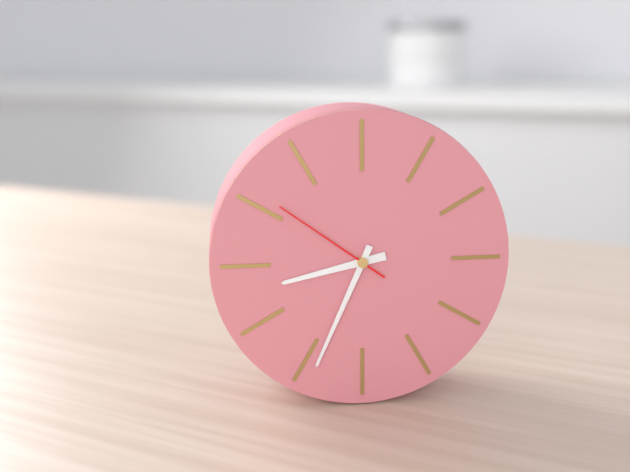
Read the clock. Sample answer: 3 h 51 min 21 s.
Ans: 8 h 34 min 51 s
